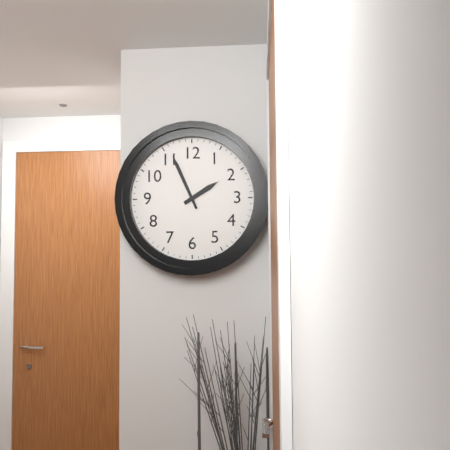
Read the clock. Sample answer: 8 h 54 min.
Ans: 1 h 56 min
